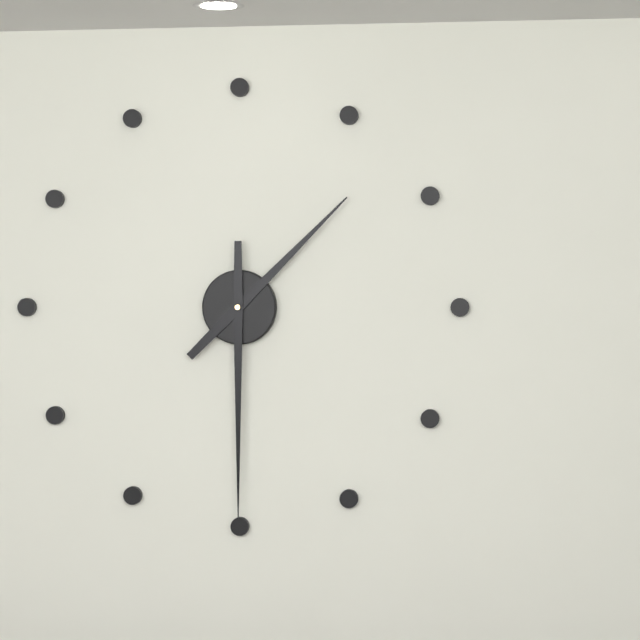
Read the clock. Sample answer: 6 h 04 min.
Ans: 1 h 30 min
